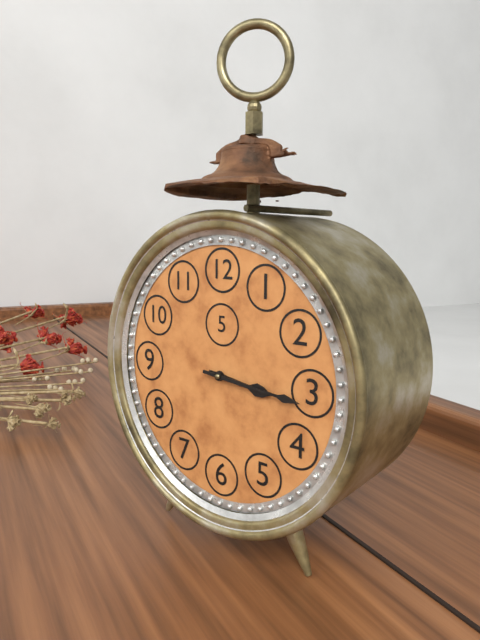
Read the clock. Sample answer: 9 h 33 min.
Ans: 3 h 16 min
